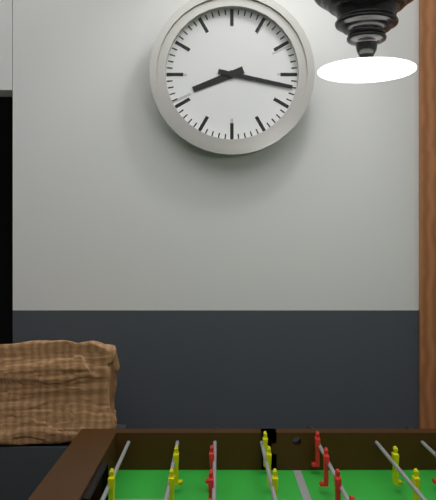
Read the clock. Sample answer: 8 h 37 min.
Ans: 8 h 17 min
